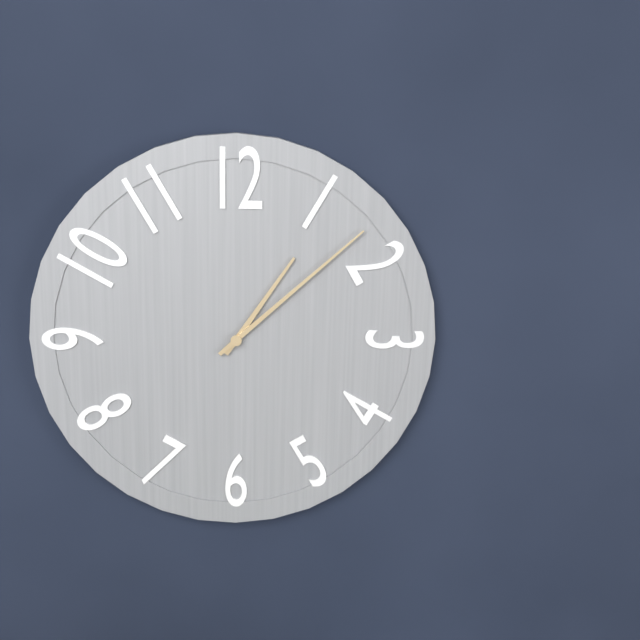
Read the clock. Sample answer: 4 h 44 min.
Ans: 1 h 08 min
